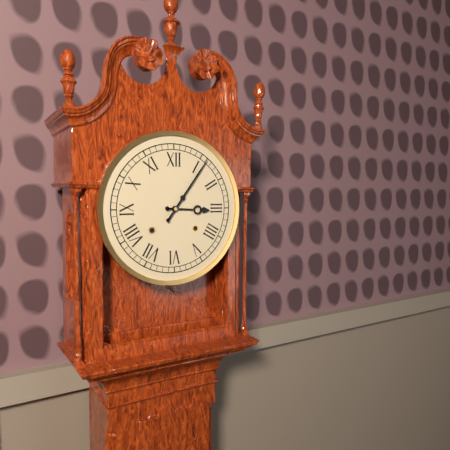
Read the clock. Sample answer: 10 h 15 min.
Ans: 3 h 06 min
